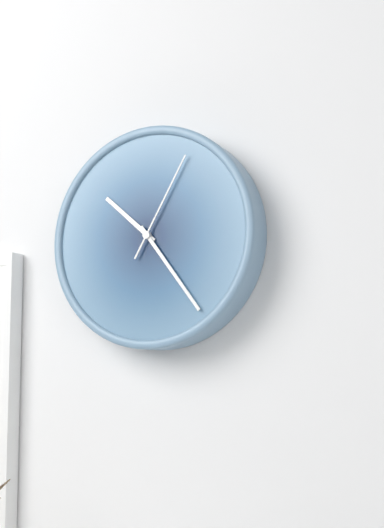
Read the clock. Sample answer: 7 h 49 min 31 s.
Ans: 10 h 24 min 05 s
